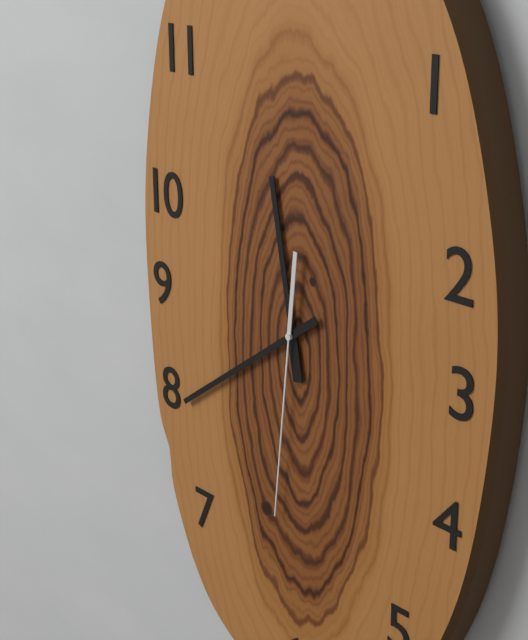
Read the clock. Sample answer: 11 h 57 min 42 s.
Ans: 11 h 39 min 31 s
